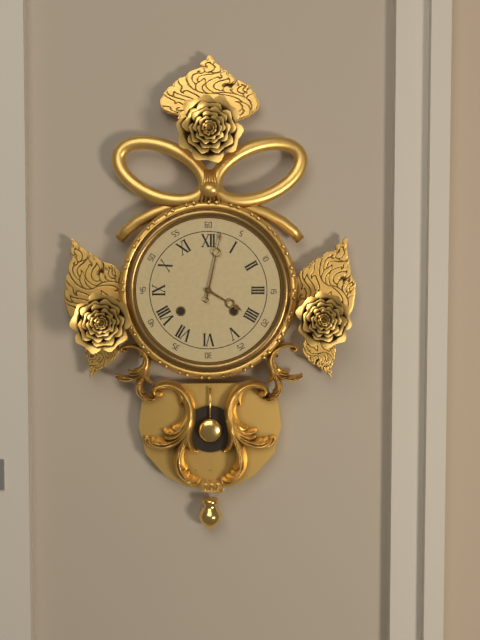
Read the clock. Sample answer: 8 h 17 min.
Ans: 4 h 02 min
